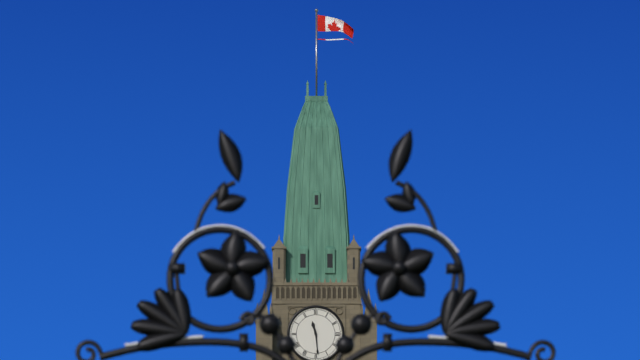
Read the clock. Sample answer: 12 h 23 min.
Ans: 11 h 29 min
